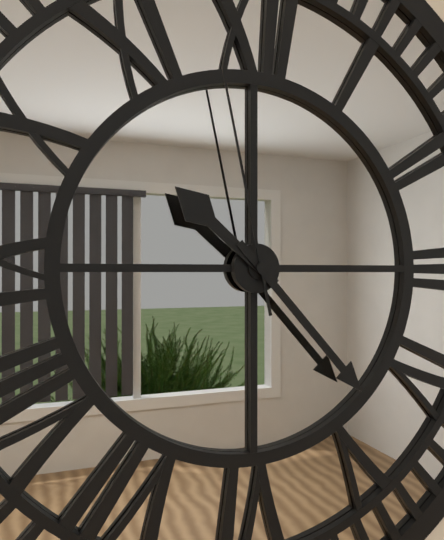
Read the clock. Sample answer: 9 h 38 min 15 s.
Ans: 10 h 23 min 58 s
